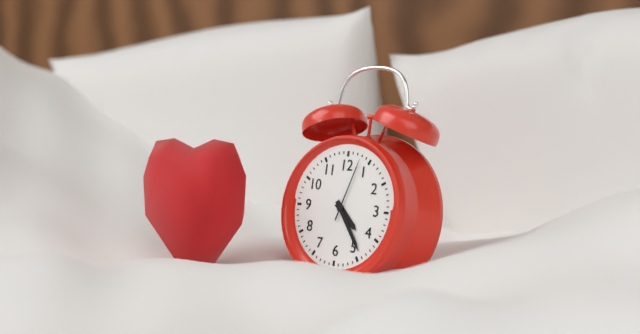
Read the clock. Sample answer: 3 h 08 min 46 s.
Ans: 4 h 24 min 03 s
